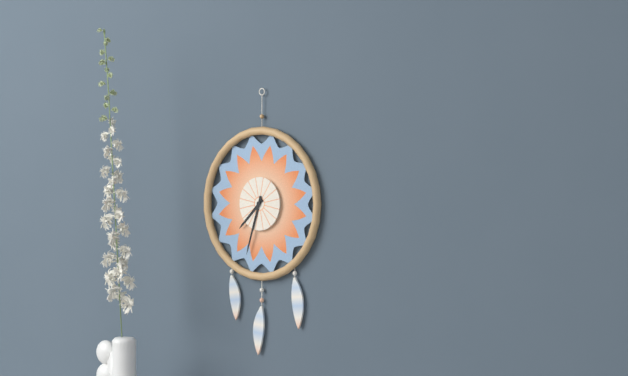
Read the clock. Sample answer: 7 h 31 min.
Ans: 7 h 33 min
